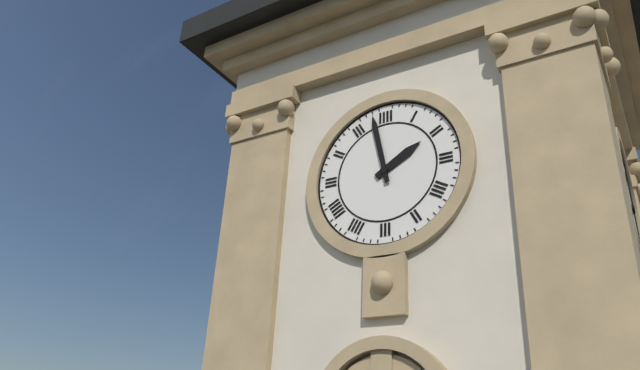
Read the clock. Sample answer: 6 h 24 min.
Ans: 1 h 58 min
